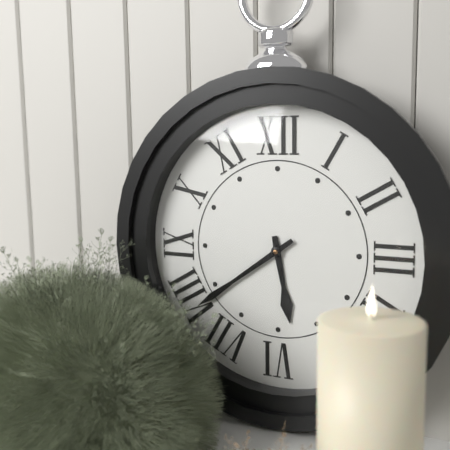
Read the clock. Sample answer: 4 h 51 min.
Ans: 5 h 39 min
